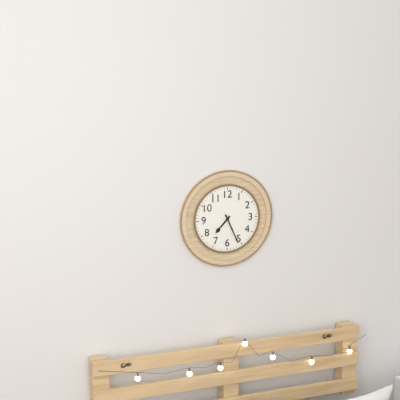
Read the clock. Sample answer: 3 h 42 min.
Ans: 7 h 26 min
